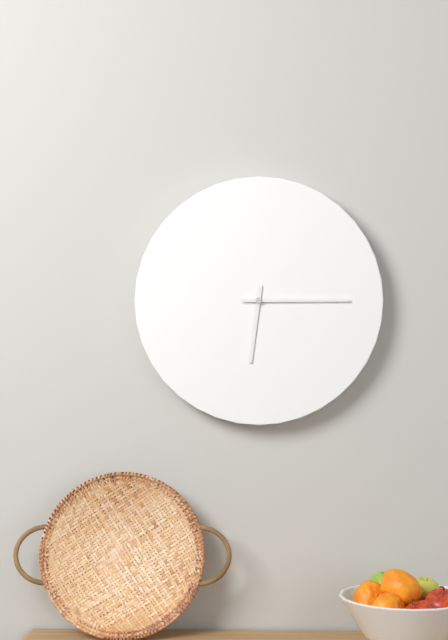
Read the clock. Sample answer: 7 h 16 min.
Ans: 6 h 15 min
